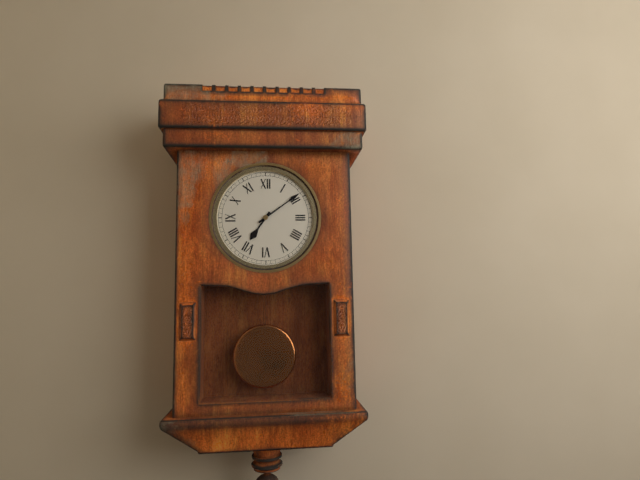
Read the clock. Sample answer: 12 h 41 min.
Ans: 7 h 09 min
